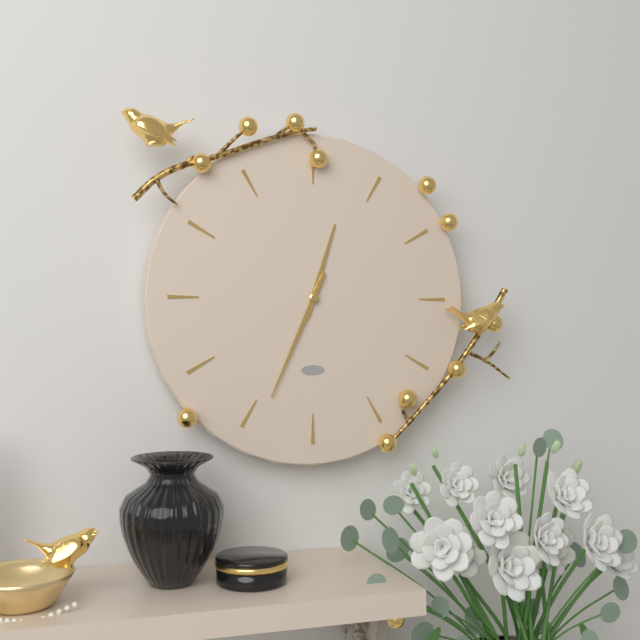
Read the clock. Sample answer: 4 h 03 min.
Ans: 12 h 34 min
